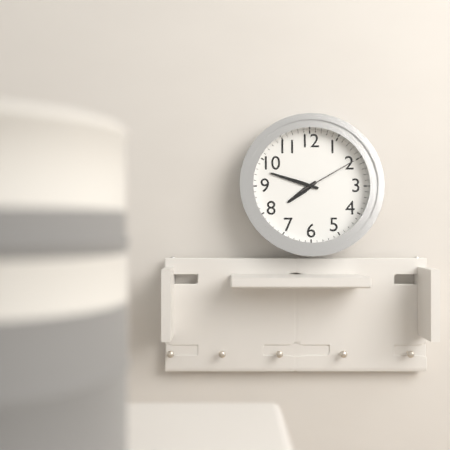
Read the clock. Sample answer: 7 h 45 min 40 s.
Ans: 7 h 48 min 10 s
